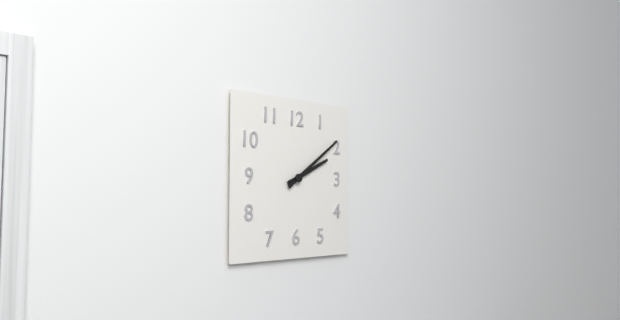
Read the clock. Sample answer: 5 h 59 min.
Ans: 2 h 09 min
